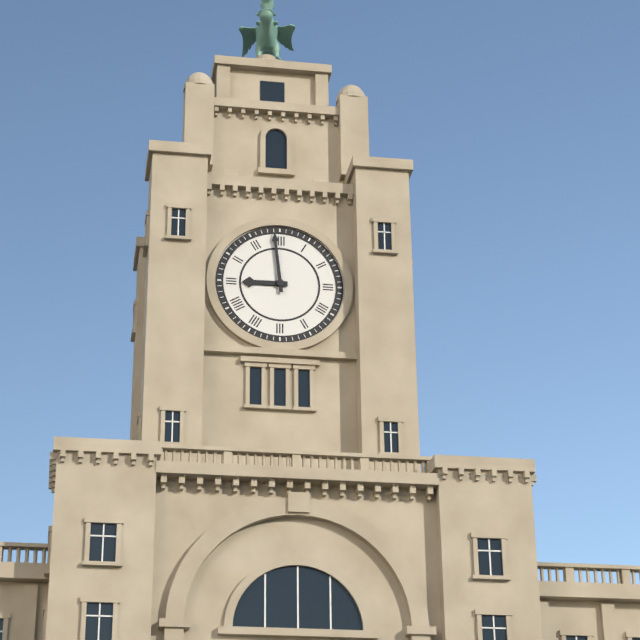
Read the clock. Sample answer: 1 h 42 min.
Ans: 8 h 59 min
